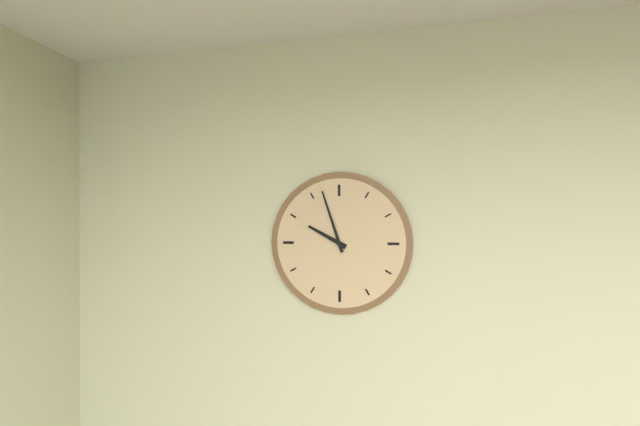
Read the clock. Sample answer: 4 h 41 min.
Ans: 9 h 57 min
